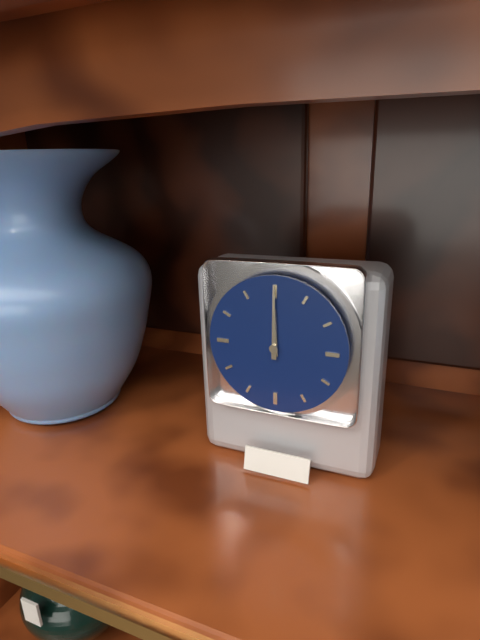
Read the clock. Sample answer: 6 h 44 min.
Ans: 12 h 00 min
